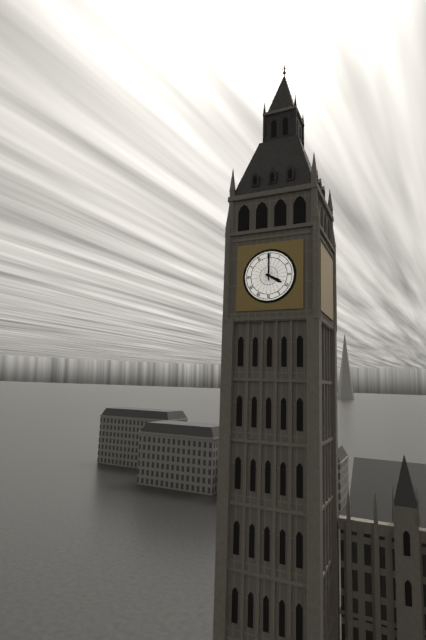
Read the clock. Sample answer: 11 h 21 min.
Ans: 4 h 00 min
